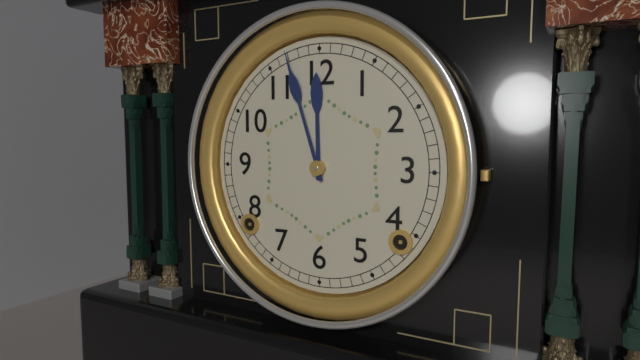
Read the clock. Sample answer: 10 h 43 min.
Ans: 11 h 57 min
